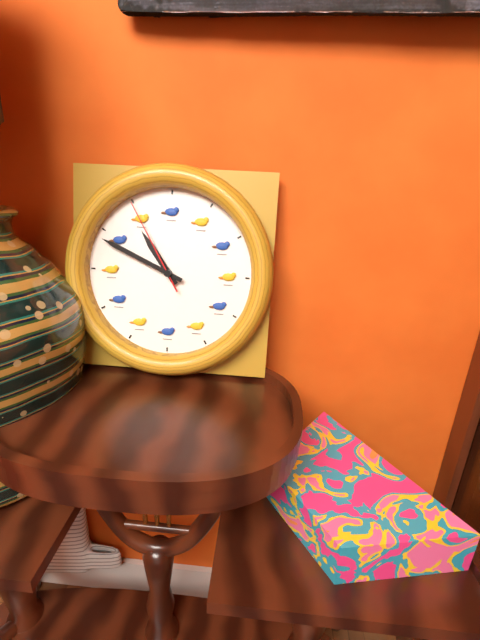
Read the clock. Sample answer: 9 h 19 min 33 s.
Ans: 10 h 49 min 55 s
